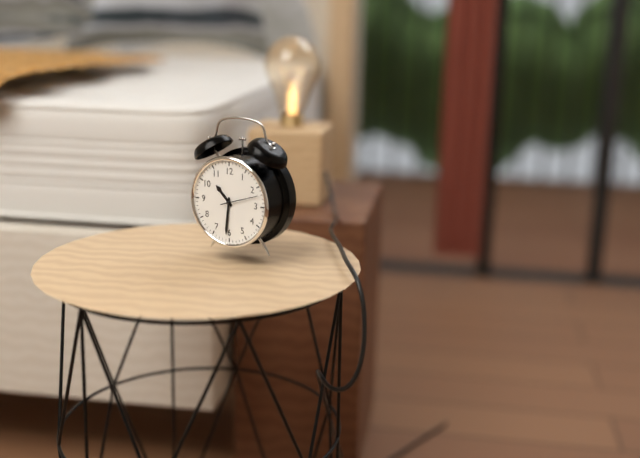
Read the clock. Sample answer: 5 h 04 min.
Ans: 10 h 31 min
